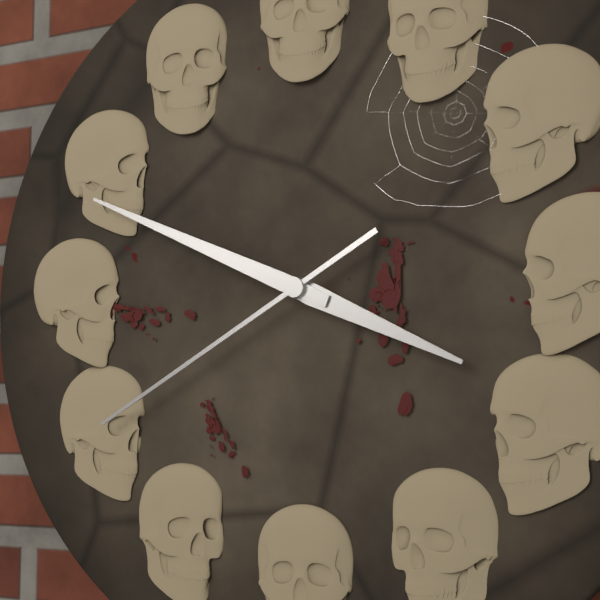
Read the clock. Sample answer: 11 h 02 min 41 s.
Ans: 3 h 49 min 40 s
